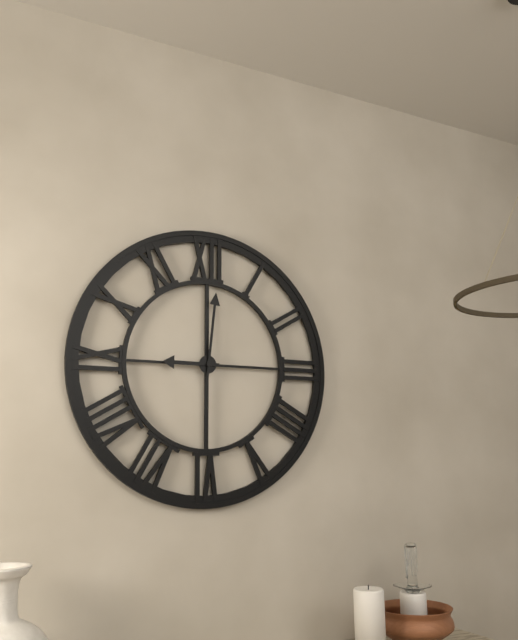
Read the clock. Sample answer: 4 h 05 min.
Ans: 9 h 01 min
